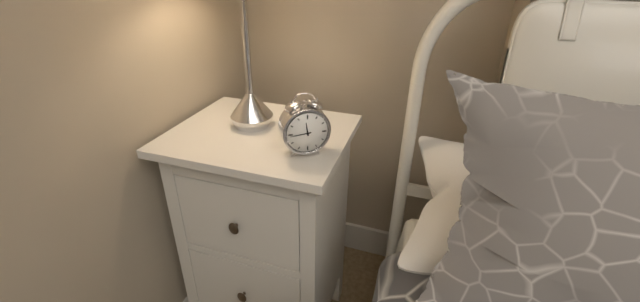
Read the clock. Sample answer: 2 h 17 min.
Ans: 11 h 44 min
